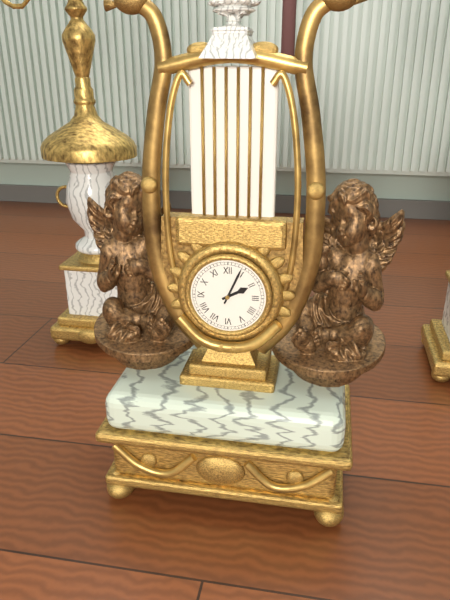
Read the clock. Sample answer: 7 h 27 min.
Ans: 2 h 04 min
